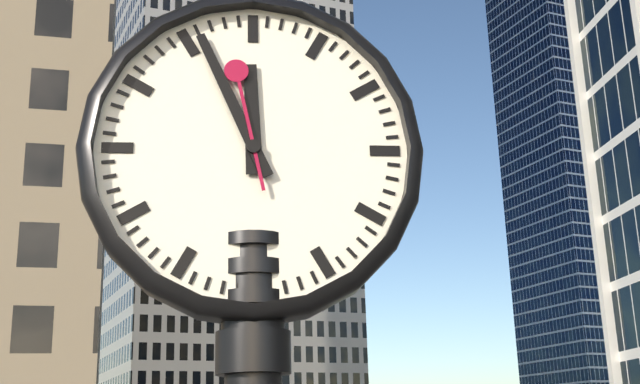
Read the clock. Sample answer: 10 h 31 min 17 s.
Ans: 11 h 56 min 58 s
